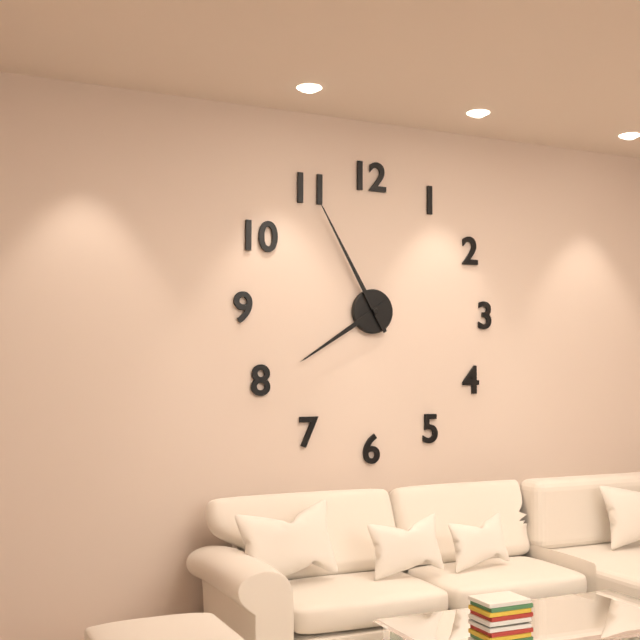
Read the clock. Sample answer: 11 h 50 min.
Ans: 7 h 55 min
